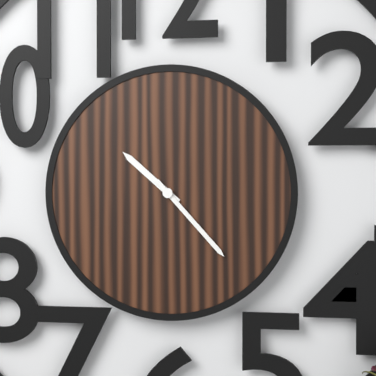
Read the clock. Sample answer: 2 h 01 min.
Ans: 10 h 23 min
